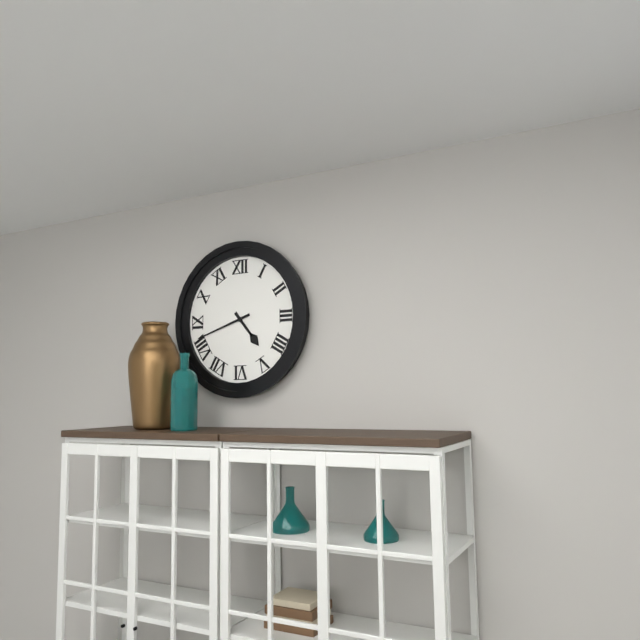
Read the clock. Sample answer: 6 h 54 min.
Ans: 4 h 42 min
